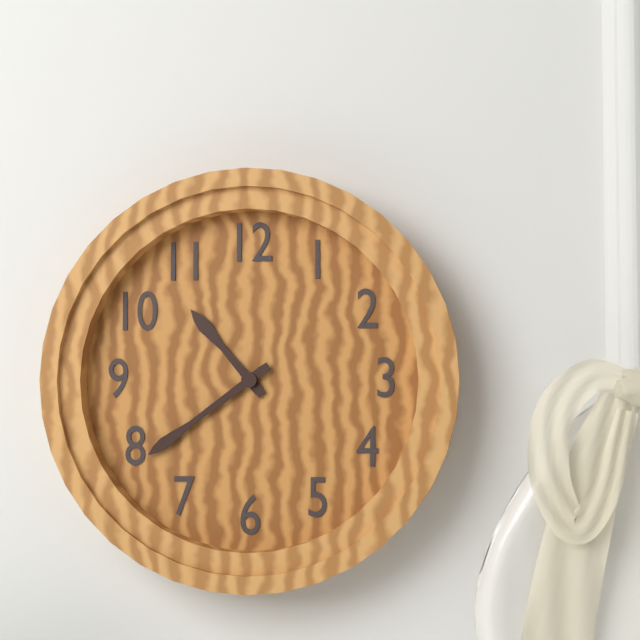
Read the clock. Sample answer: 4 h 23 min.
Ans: 10 h 39 min
